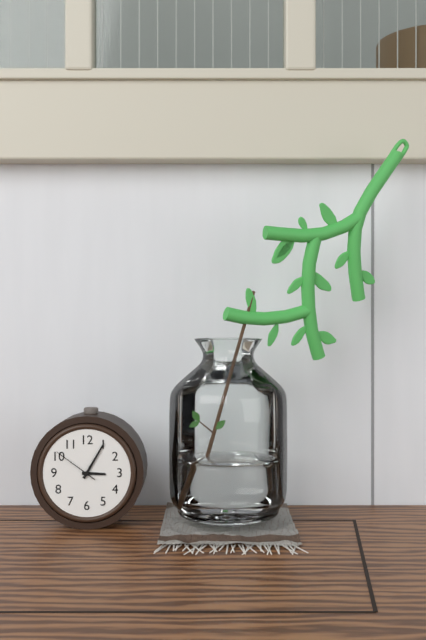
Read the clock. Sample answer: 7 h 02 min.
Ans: 3 h 05 min
